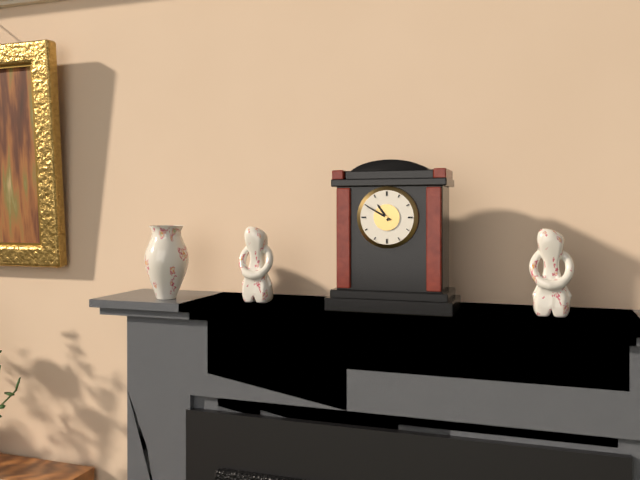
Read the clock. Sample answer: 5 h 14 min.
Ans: 10 h 50 min
